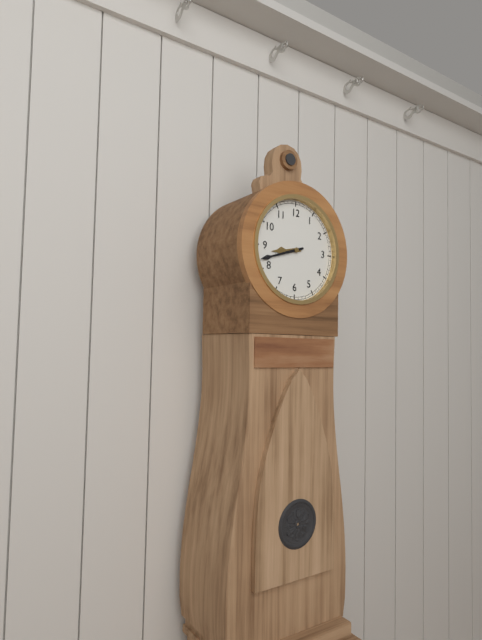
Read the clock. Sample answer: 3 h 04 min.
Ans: 8 h 42 min
